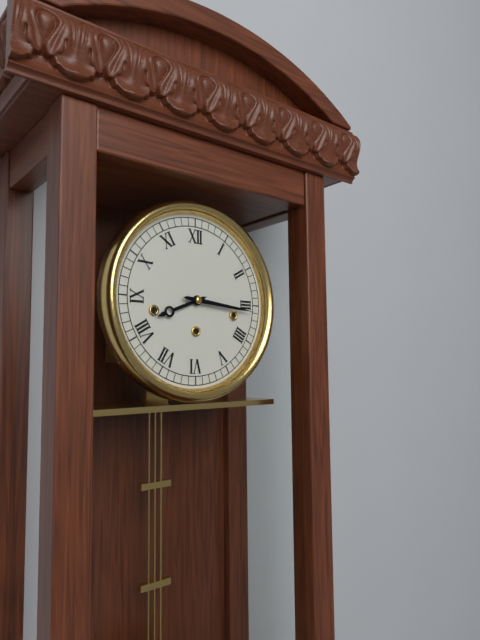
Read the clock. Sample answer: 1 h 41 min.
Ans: 8 h 16 min
